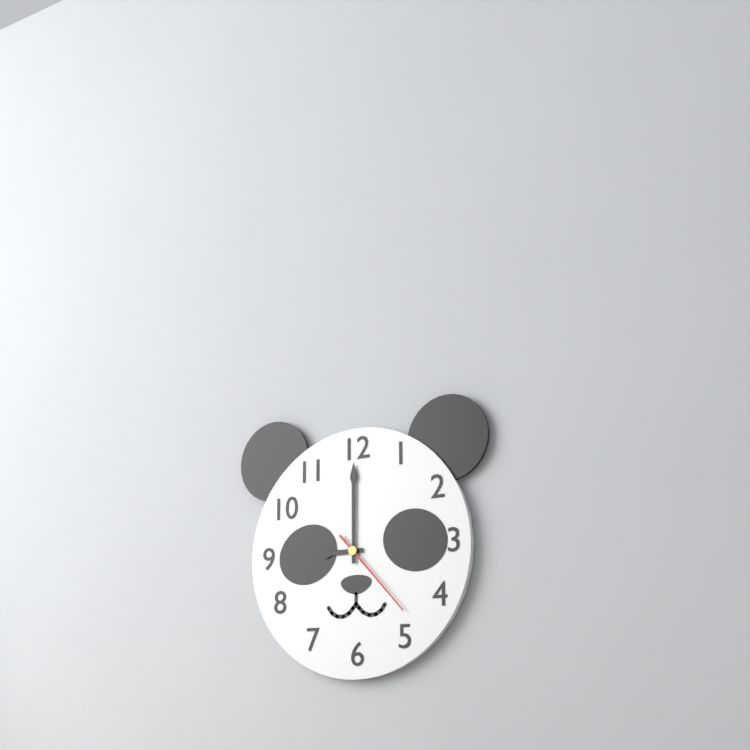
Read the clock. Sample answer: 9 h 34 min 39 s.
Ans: 9 h 00 min 23 s
